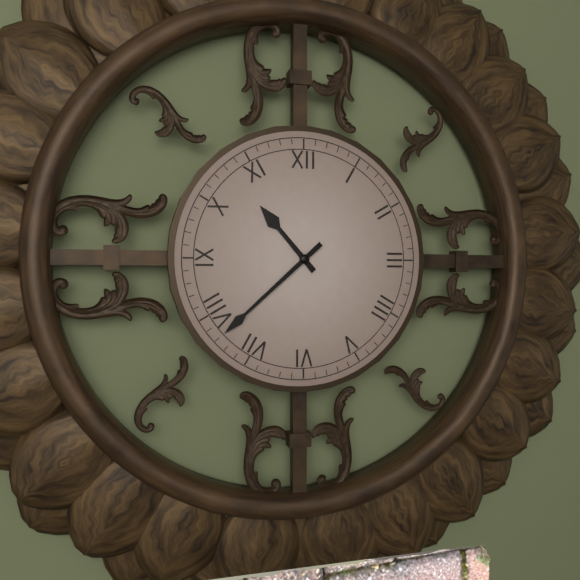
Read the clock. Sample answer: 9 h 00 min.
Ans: 10 h 38 min
